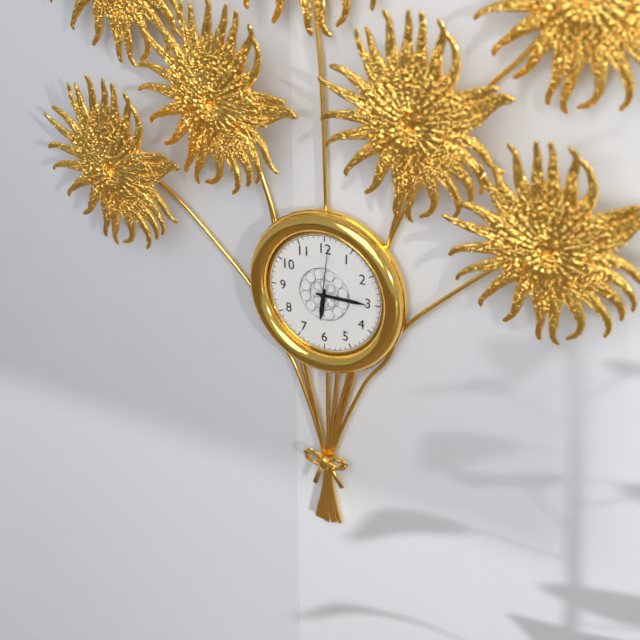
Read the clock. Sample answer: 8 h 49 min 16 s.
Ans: 6 h 15 min 01 s
